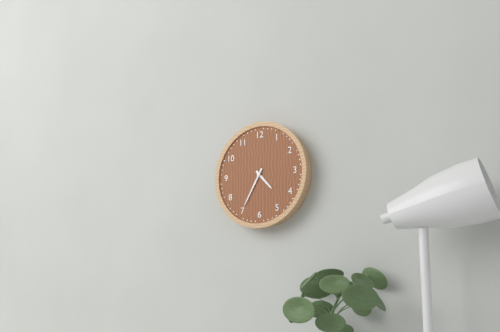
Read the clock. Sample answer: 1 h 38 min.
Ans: 4 h 35 min
